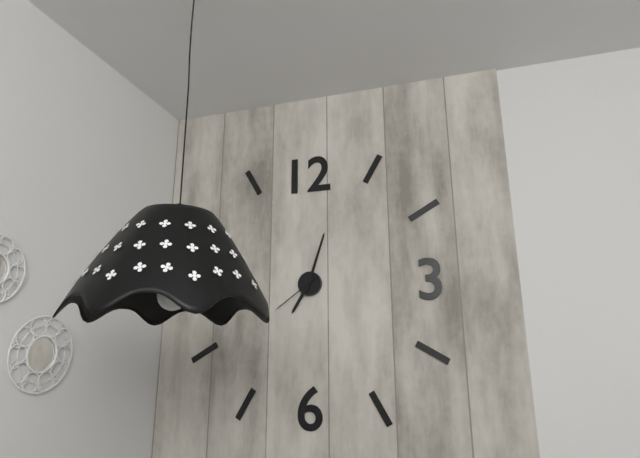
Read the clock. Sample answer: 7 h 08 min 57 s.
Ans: 7 h 03 min 39 s
